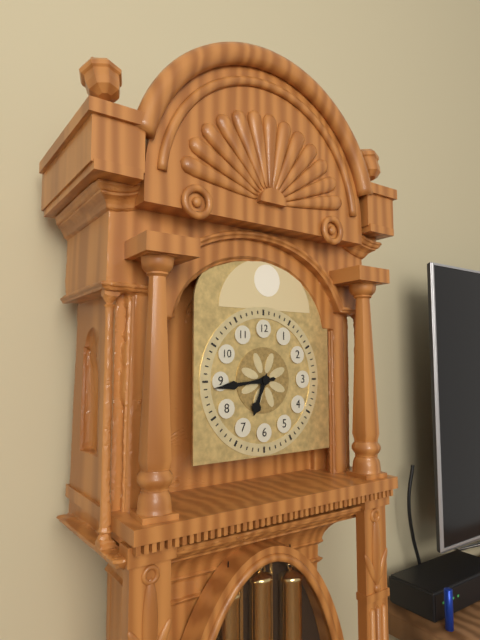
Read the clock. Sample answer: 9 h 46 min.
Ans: 6 h 44 min
